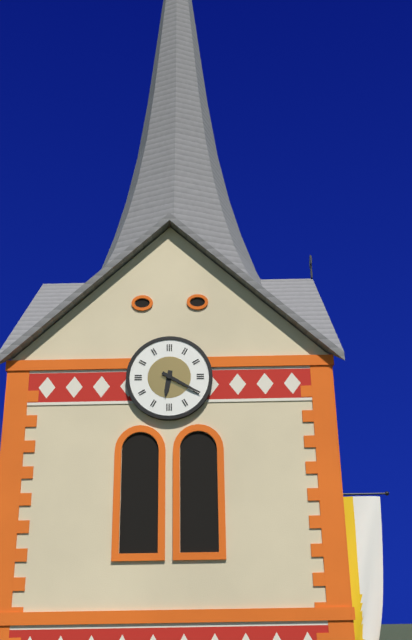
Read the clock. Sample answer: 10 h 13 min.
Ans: 6 h 20 min
